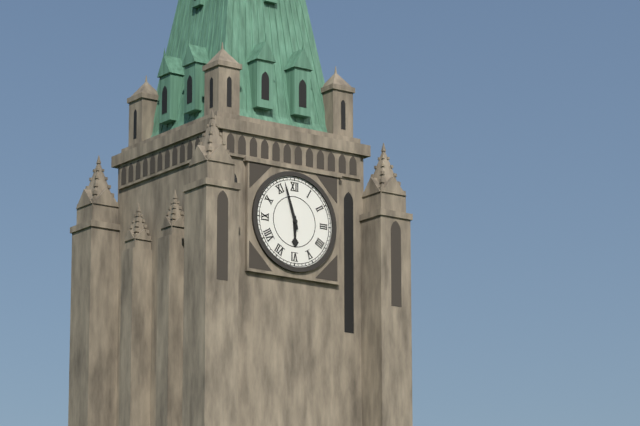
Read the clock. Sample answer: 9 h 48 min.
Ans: 5 h 57 min
